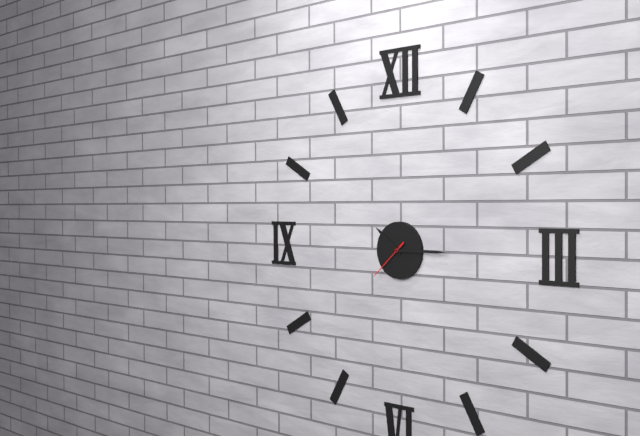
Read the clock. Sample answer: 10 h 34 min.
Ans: 10 h 15 min
